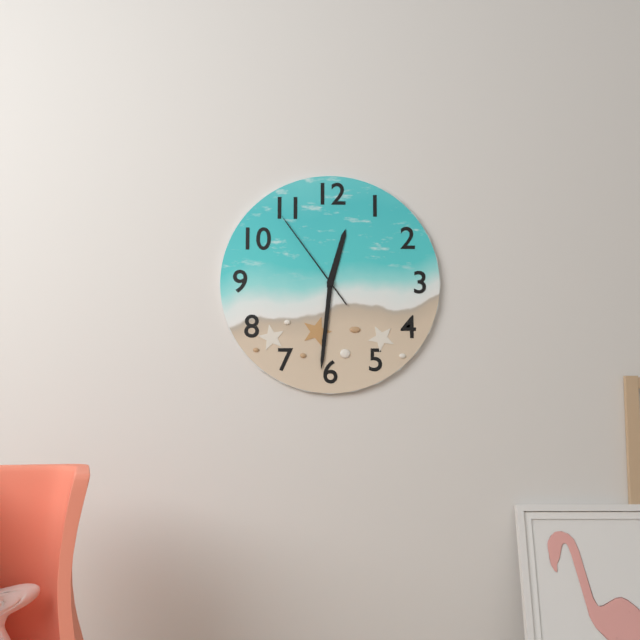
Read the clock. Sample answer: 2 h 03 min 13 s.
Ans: 12 h 31 min 54 s
